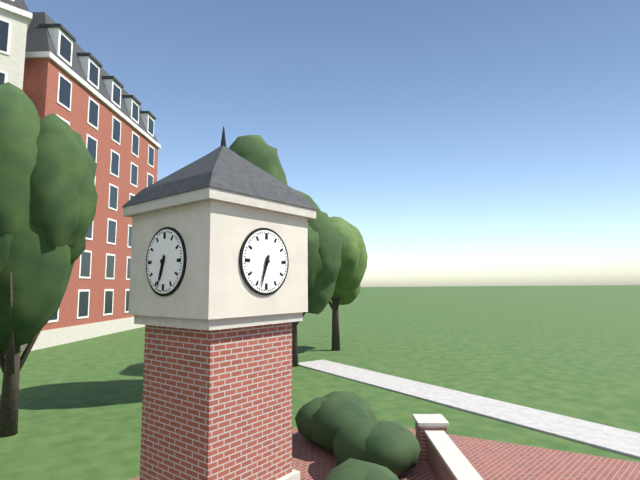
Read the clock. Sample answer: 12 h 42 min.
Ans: 6 h 33 min
